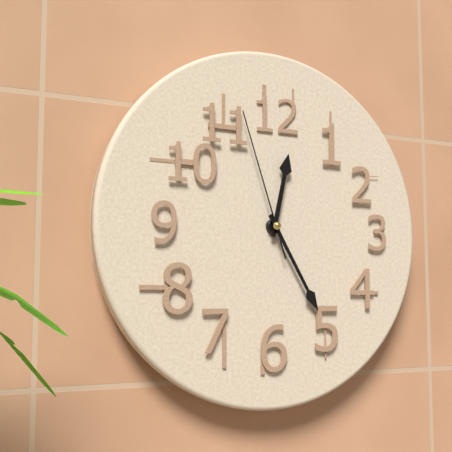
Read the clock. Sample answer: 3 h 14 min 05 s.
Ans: 12 h 25 min 57 s
